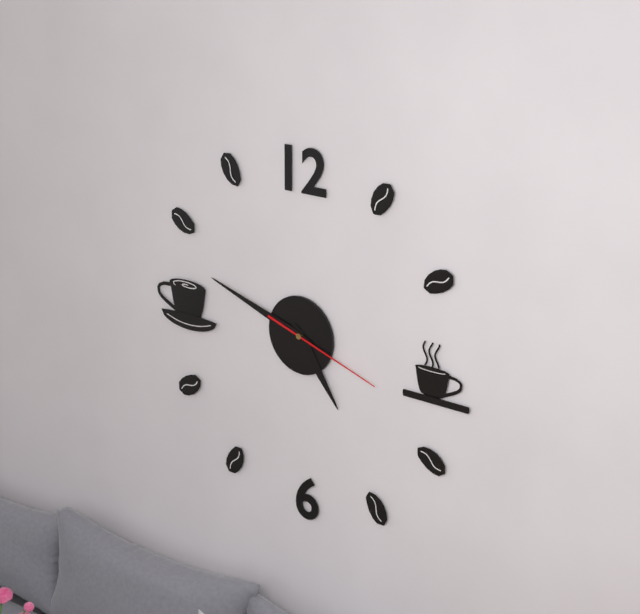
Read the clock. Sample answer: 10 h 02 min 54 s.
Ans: 4 h 48 min 18 s
